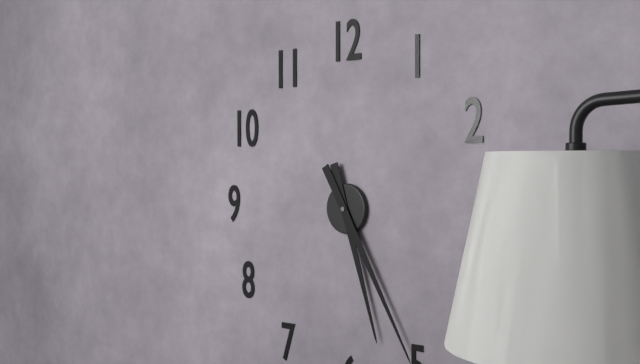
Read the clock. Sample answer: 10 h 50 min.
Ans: 5 h 25 min
